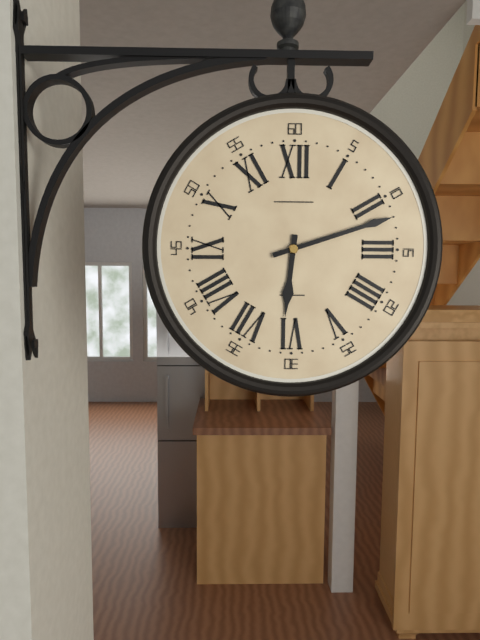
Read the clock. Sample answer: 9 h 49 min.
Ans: 6 h 12 min
